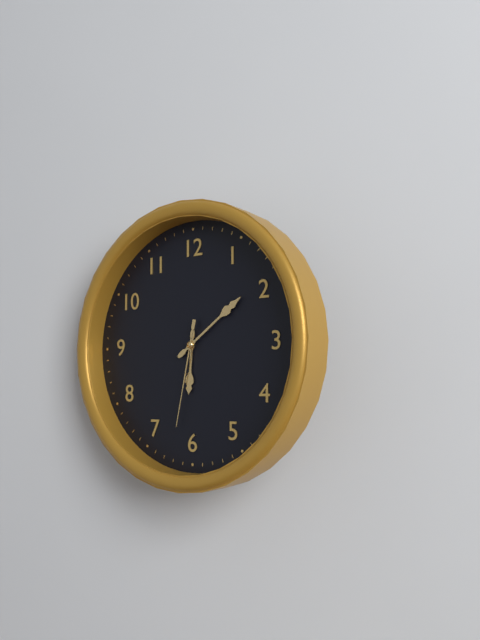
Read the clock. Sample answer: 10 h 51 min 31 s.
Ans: 6 h 09 min 32 s
